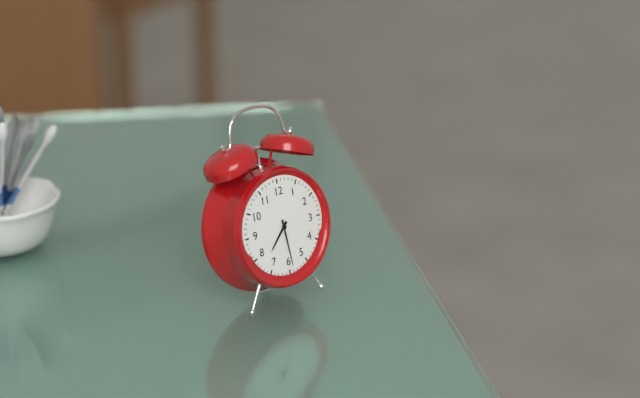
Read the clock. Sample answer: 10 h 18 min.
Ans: 7 h 29 min
